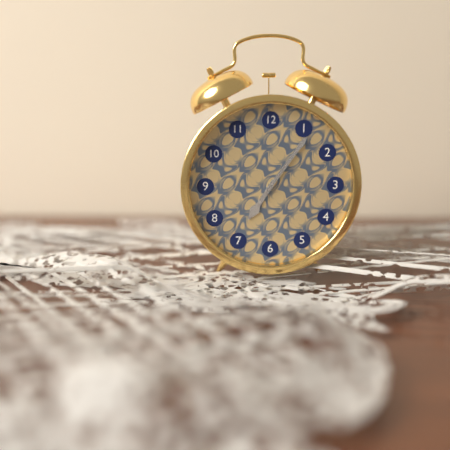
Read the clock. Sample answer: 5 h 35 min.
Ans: 7 h 06 min
